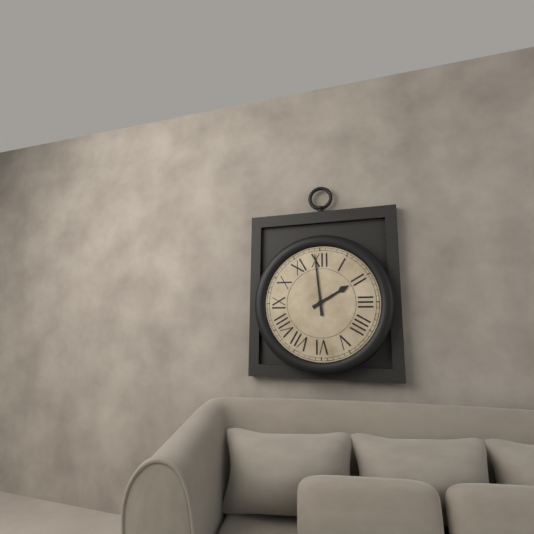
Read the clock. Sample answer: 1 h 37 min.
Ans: 1 h 59 min
